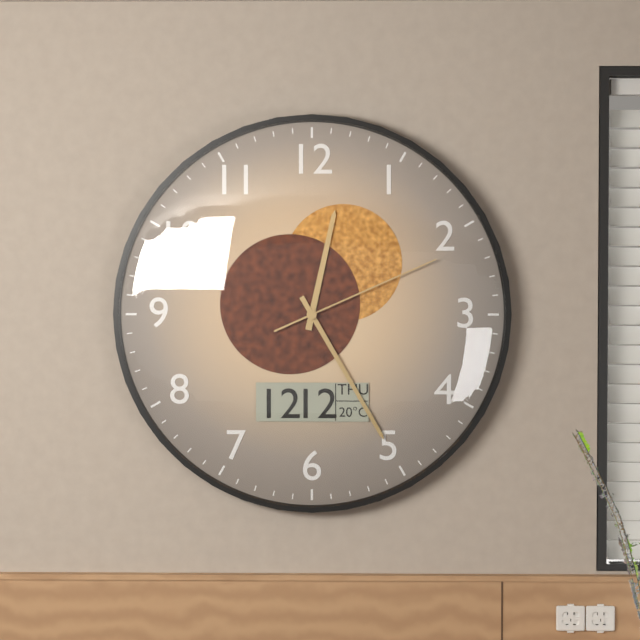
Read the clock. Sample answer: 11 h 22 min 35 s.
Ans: 12 h 25 min 11 s
